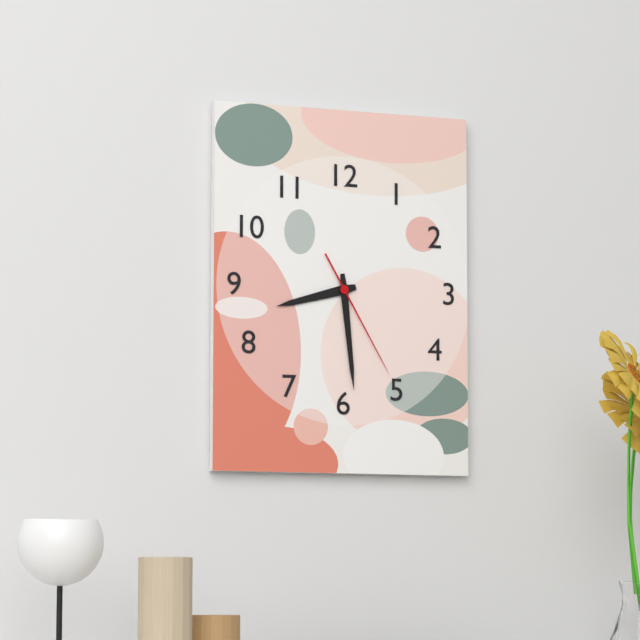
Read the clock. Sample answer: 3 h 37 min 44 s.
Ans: 8 h 29 min 25 s
